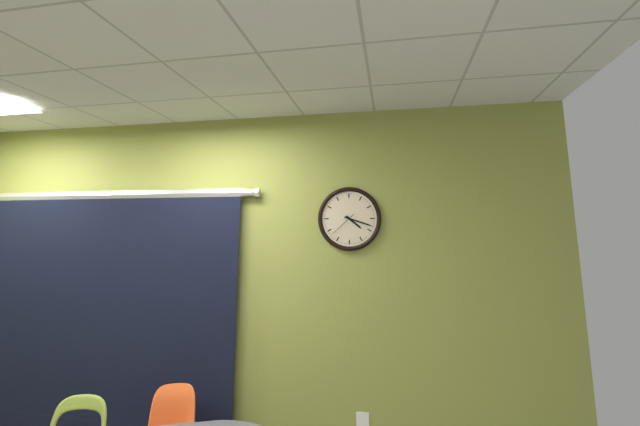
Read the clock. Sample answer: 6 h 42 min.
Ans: 4 h 18 min
